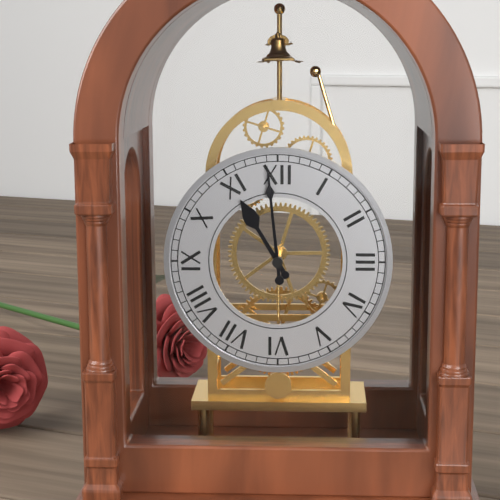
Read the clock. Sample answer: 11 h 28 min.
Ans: 10 h 59 min
